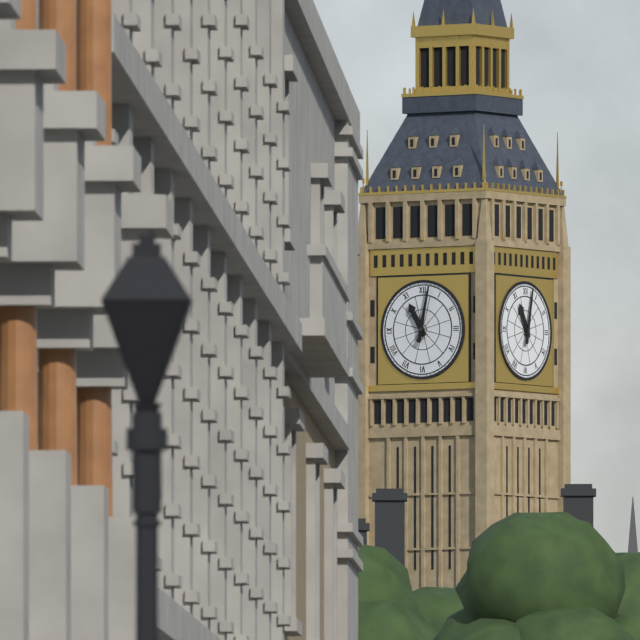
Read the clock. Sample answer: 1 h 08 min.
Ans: 11 h 02 min
